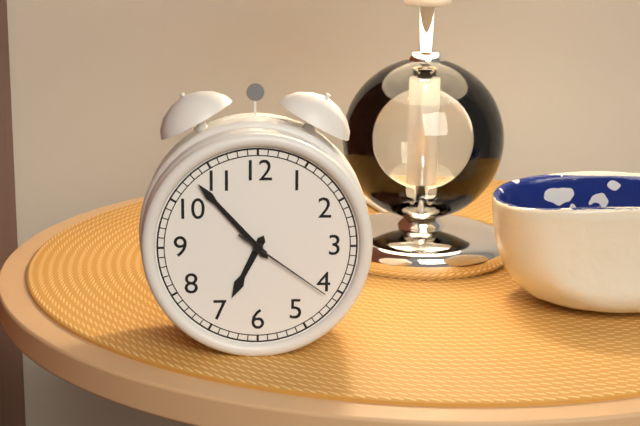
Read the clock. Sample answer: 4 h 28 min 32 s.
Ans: 6 h 53 min 21 s
